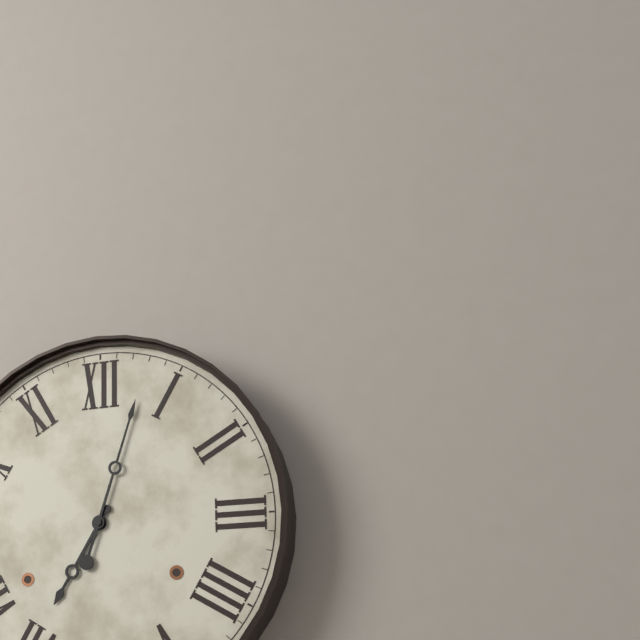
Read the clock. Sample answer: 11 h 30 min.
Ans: 7 h 03 min
